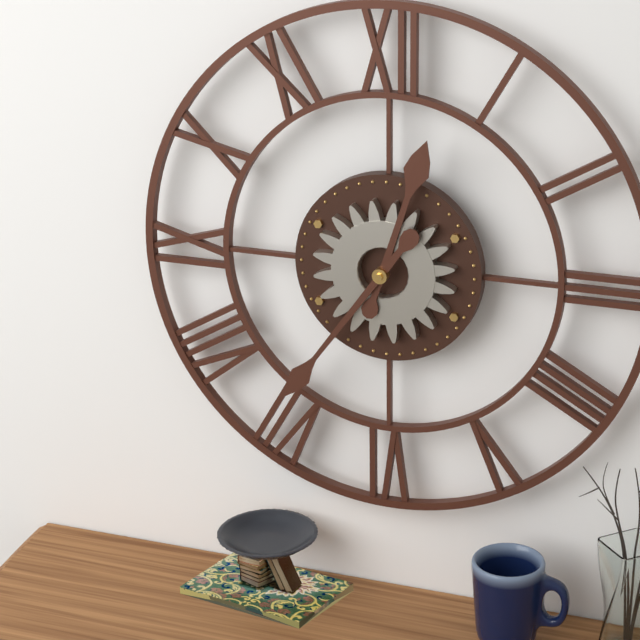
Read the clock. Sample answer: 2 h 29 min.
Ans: 12 h 36 min
